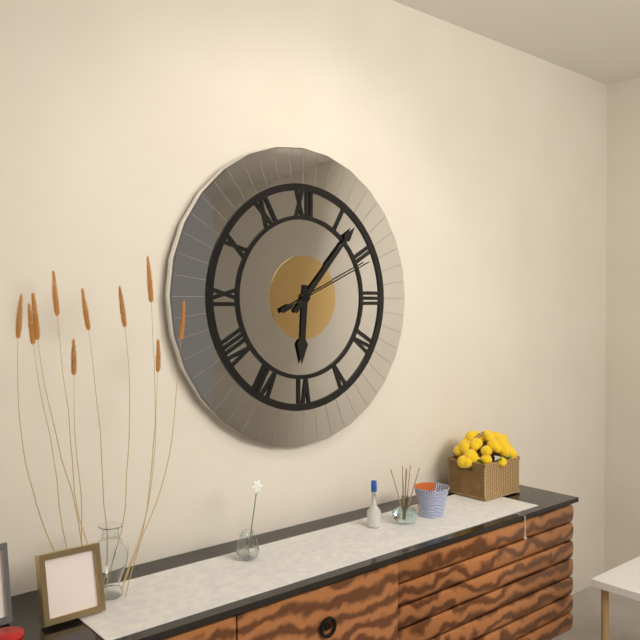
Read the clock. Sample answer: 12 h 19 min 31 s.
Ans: 6 h 07 min 11 s
